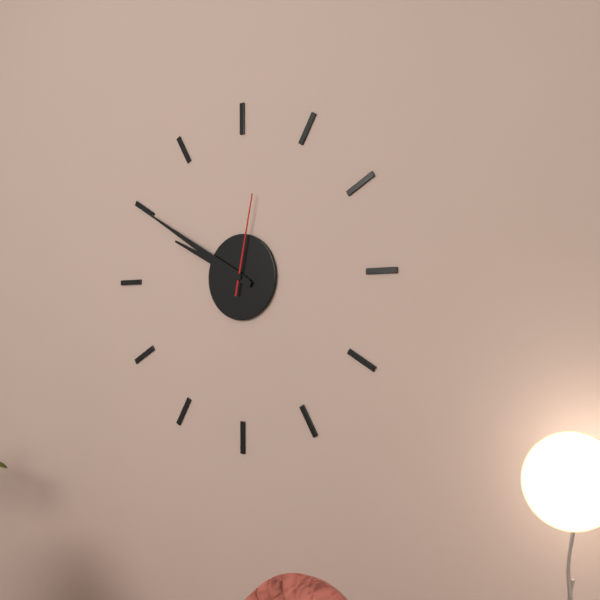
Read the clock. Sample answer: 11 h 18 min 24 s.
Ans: 9 h 50 min 02 s
